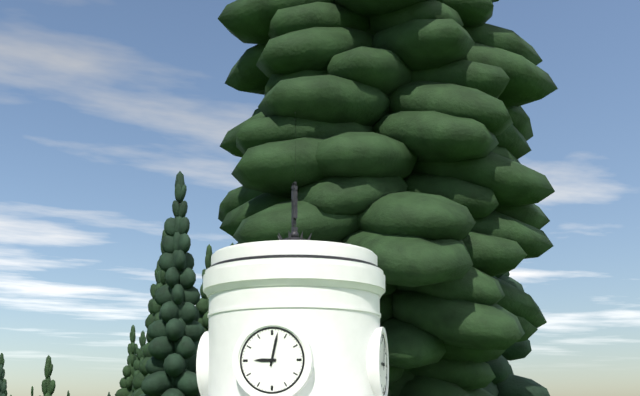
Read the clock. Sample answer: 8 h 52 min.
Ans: 9 h 02 min
